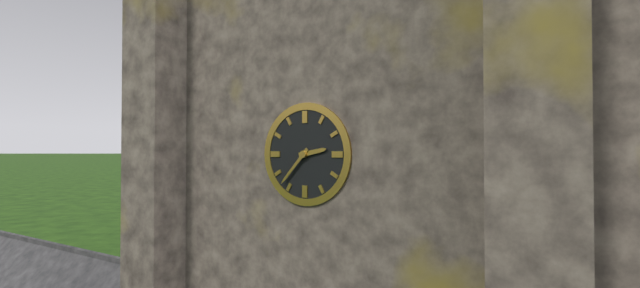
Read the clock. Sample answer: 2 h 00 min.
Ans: 2 h 37 min
